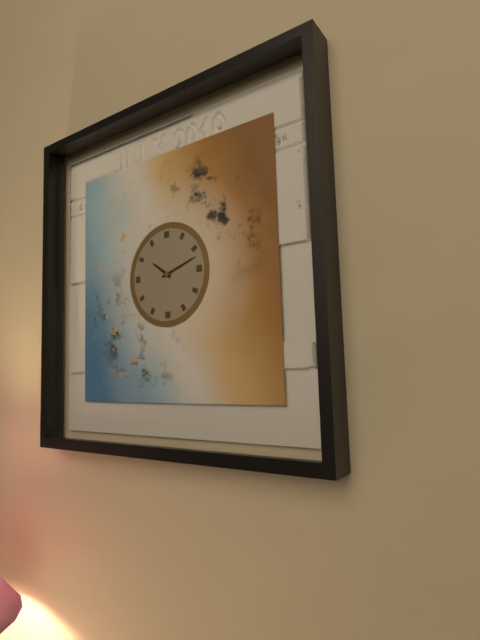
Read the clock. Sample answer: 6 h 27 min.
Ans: 10 h 12 min
